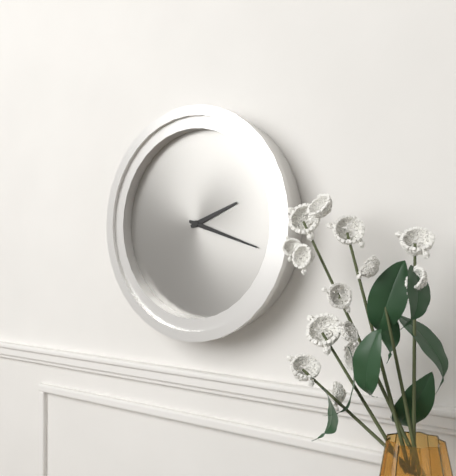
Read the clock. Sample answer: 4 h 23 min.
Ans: 2 h 18 min
